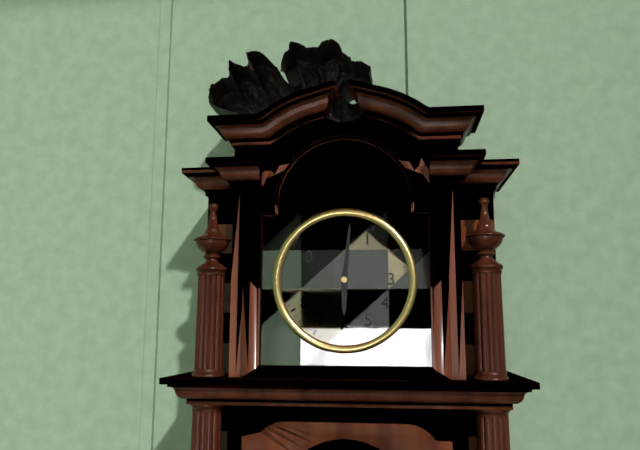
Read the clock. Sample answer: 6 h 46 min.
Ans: 6 h 01 min
